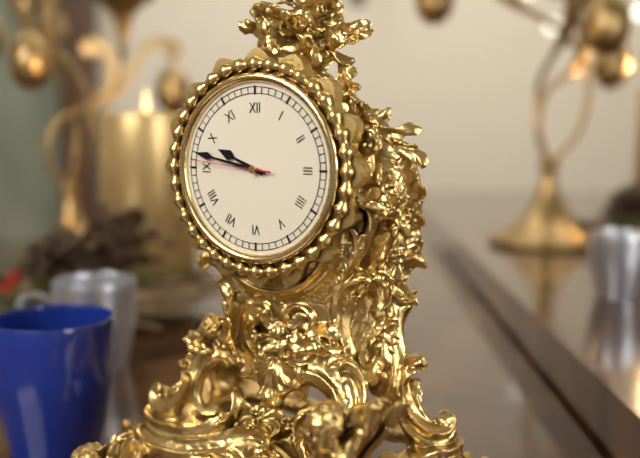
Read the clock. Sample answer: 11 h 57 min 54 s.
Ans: 9 h 47 min 46 s
